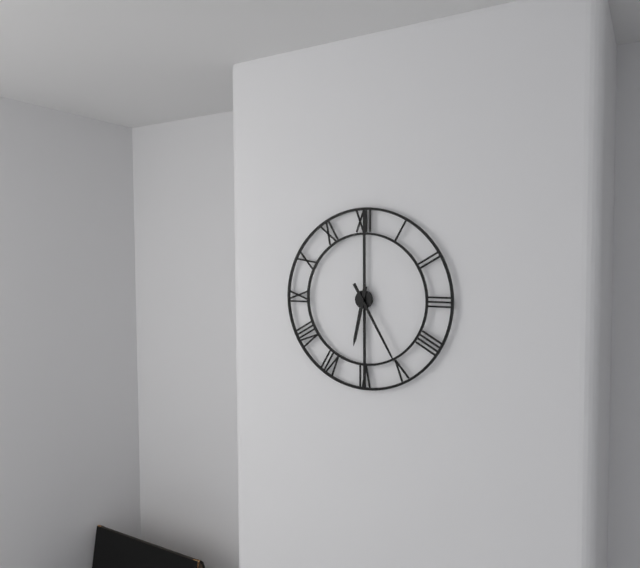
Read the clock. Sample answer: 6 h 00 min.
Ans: 6 h 25 min
